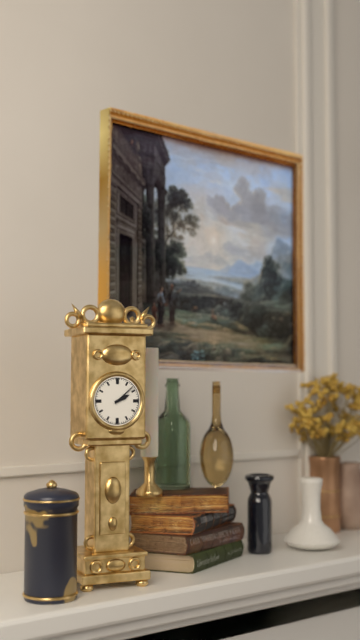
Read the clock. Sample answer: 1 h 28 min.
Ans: 2 h 08 min
